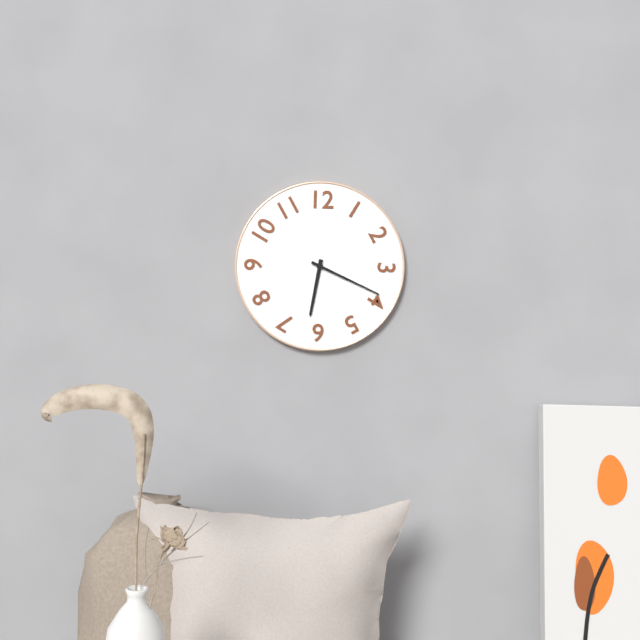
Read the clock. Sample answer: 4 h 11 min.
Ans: 6 h 19 min
